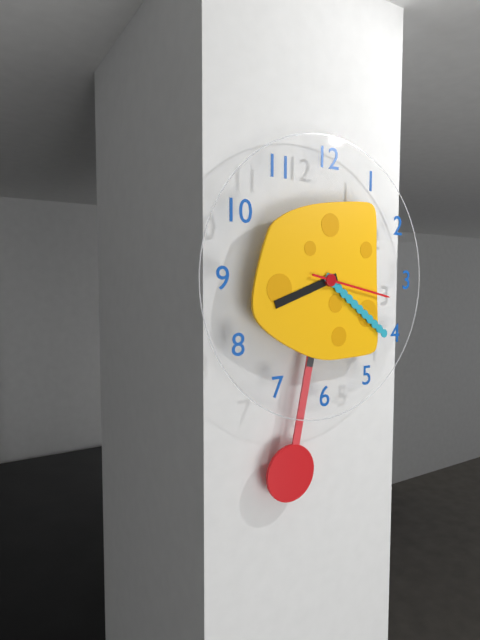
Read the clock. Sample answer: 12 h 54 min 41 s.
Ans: 8 h 21 min 17 s
